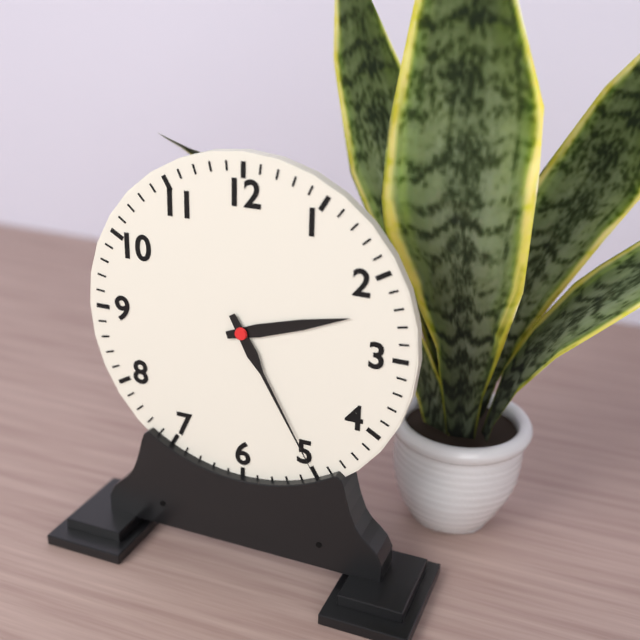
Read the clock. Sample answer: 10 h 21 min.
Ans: 2 h 25 min
